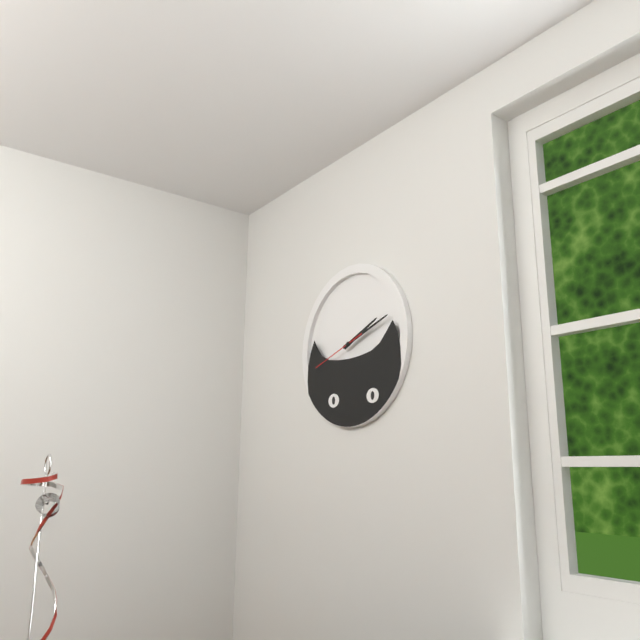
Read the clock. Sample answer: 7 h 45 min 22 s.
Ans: 2 h 12 min 42 s
